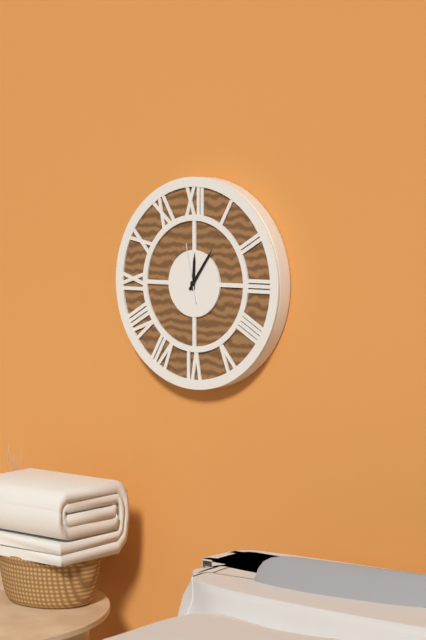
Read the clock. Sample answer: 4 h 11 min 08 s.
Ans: 12 h 06 min 58 s
